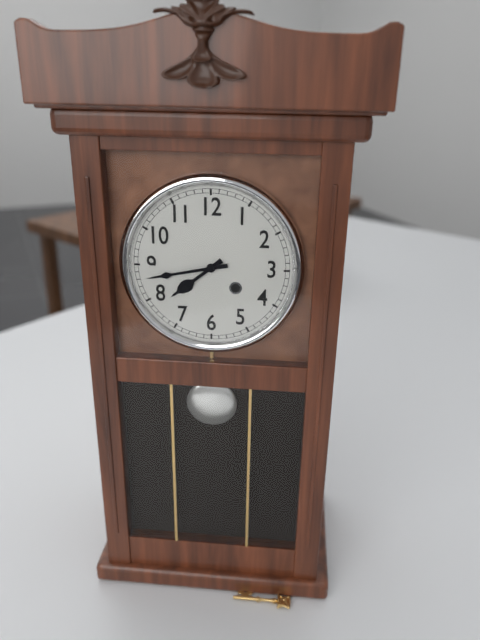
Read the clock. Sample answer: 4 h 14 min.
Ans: 7 h 43 min
